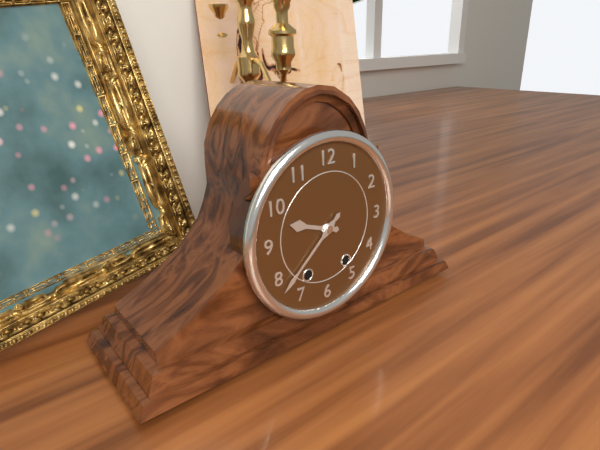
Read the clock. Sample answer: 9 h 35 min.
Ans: 9 h 38 min
